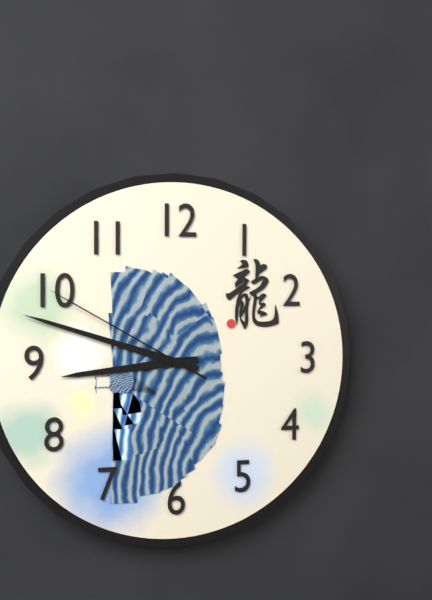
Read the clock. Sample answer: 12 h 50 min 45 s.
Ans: 8 h 48 min 50 s
